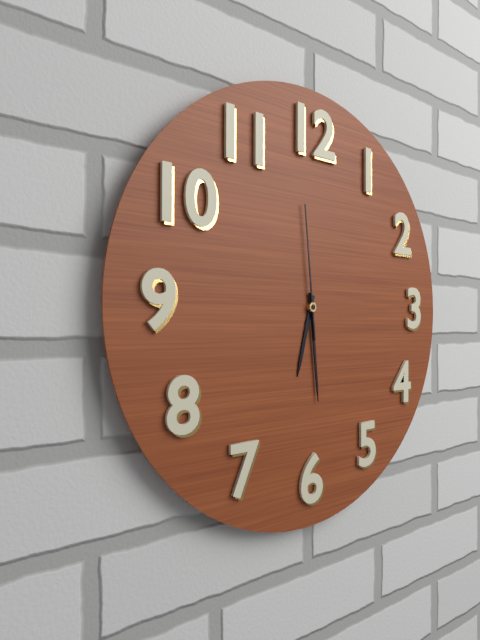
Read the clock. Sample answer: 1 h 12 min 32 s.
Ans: 6 h 29 min 59 s
